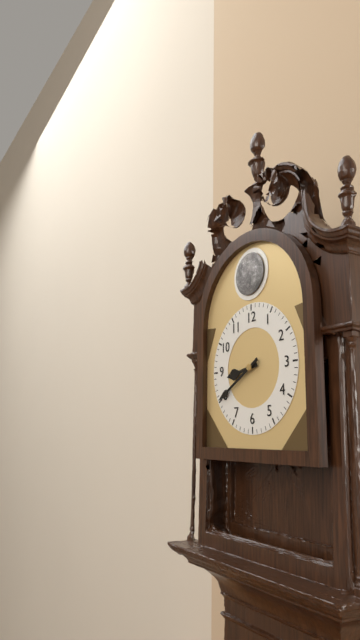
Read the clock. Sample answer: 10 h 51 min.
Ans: 8 h 40 min
